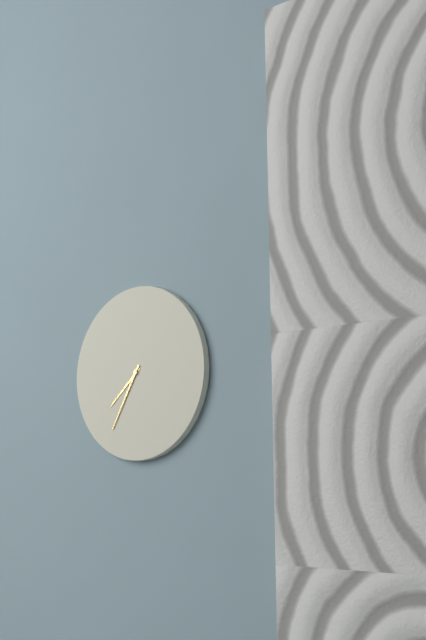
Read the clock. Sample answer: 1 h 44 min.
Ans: 7 h 35 min
